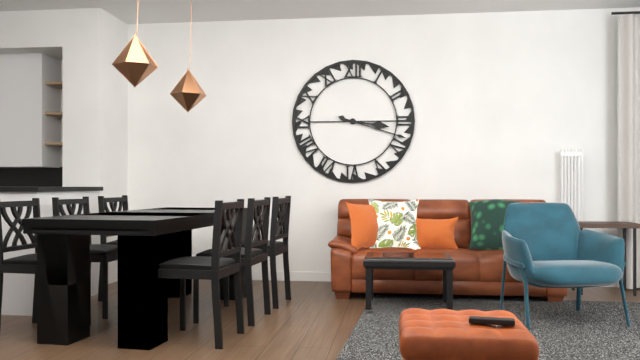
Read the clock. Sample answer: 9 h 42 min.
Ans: 3 h 18 min
